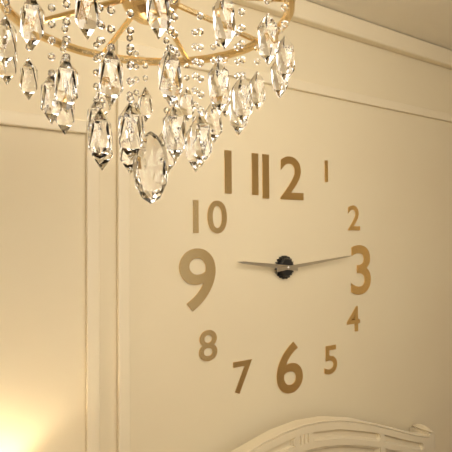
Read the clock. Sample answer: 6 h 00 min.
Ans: 9 h 14 min
